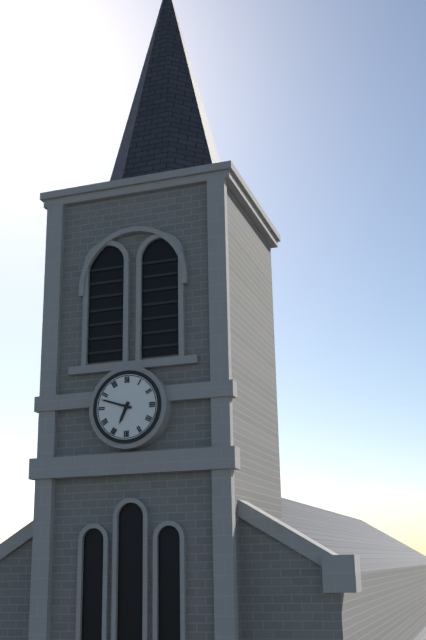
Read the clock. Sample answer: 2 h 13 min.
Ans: 6 h 48 min
